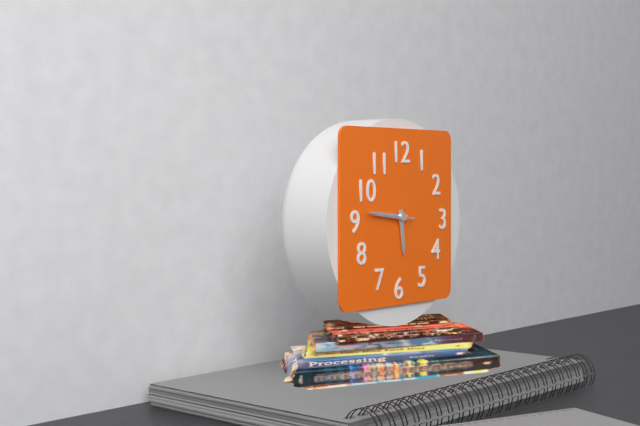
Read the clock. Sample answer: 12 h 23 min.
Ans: 5 h 46 min
